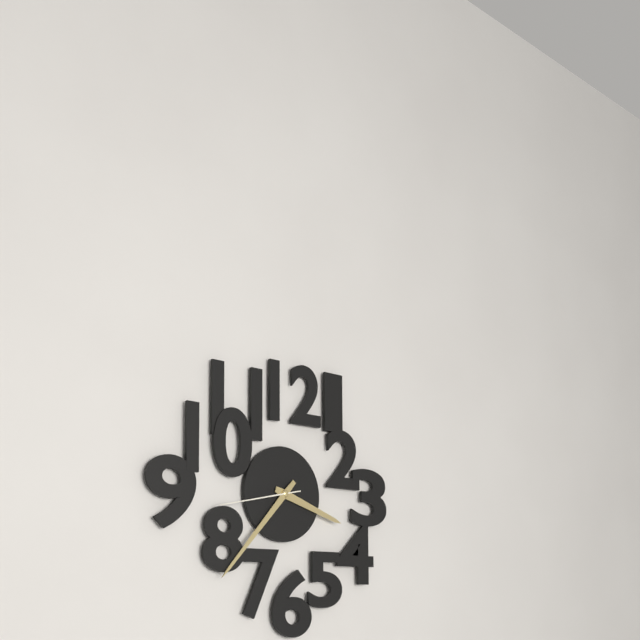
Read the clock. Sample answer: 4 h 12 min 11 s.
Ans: 3 h 37 min 43 s
